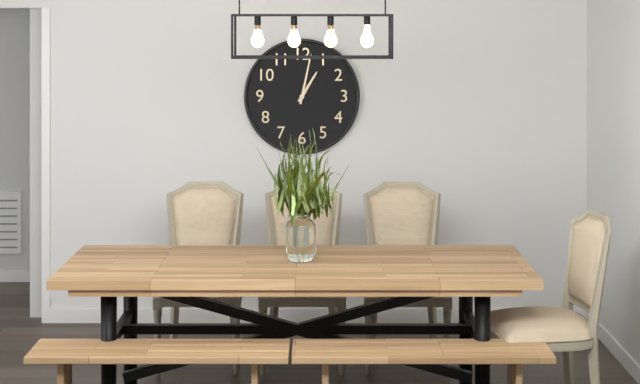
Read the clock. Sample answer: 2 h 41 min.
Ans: 1 h 02 min
